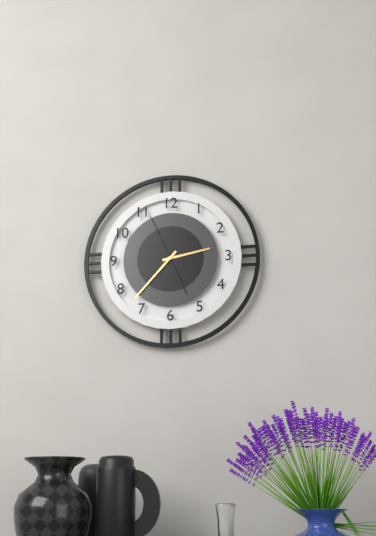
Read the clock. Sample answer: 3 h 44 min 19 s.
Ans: 2 h 37 min 56 s
